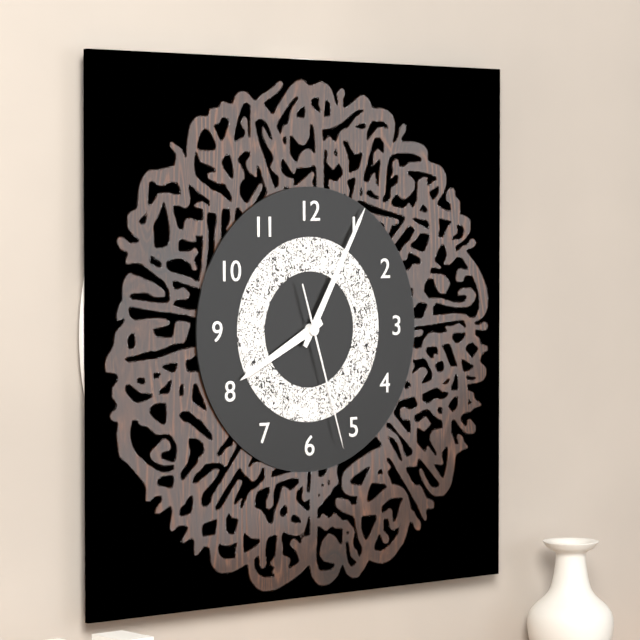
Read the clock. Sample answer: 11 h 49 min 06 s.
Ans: 8 h 05 min 27 s
